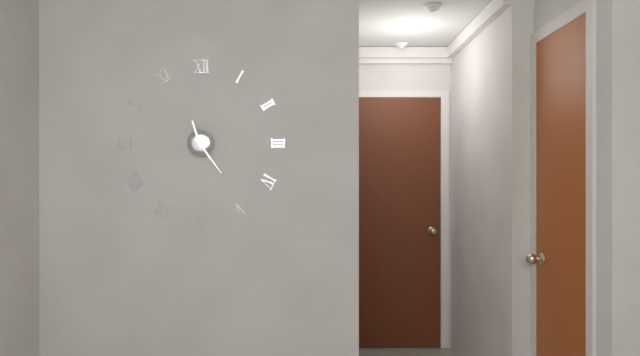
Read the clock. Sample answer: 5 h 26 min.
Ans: 11 h 24 min
